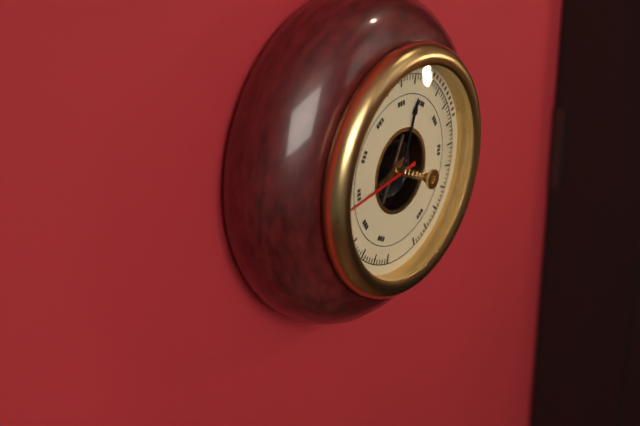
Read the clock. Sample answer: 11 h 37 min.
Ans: 12 h 44 min
